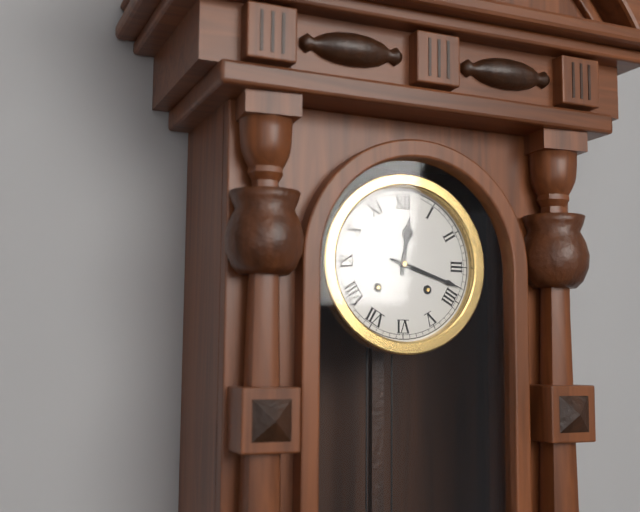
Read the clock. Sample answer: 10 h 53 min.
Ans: 12 h 18 min
